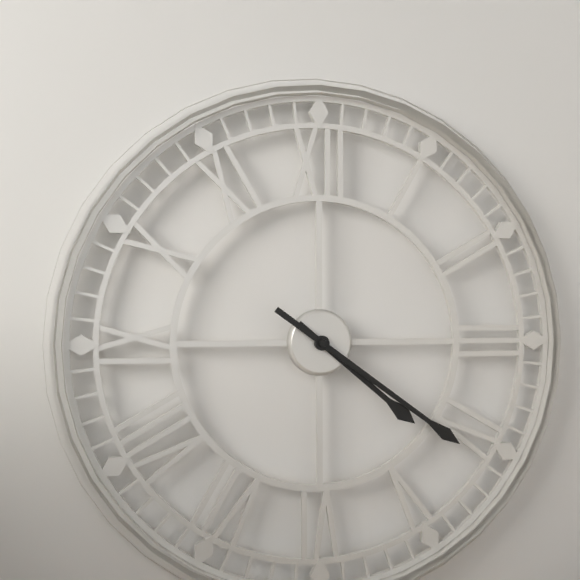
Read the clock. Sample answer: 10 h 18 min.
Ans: 4 h 21 min
